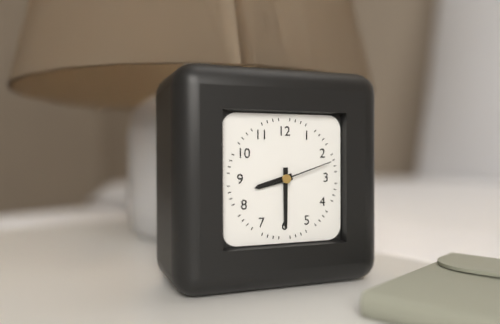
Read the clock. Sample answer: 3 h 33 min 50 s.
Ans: 8 h 30 min 12 s
